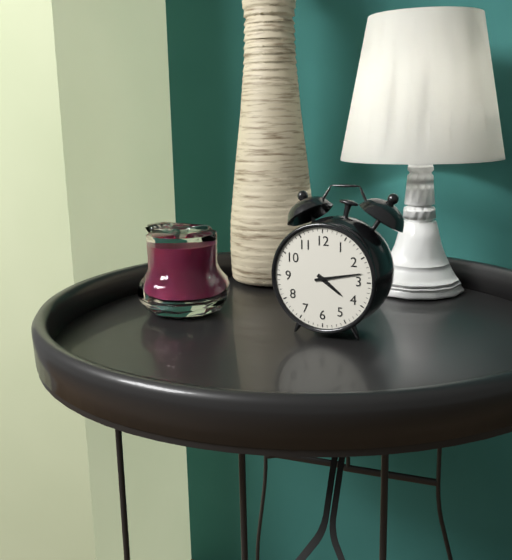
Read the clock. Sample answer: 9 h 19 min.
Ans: 4 h 13 min
